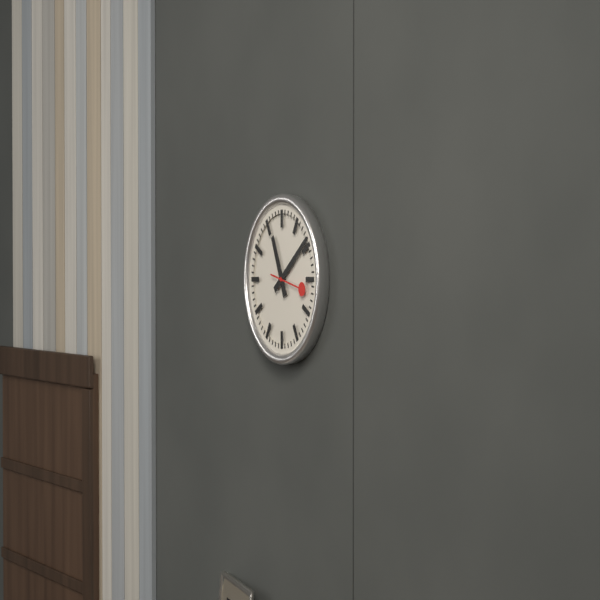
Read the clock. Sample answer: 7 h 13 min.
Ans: 11 h 09 min
